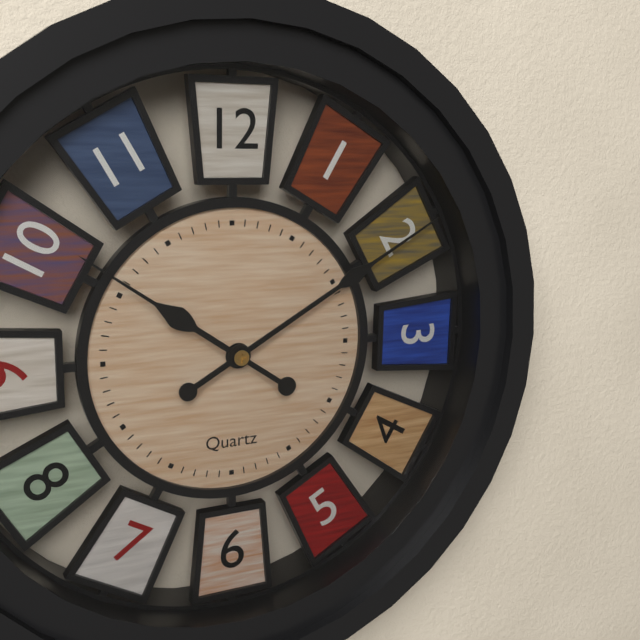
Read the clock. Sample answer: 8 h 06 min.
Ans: 10 h 10 min
